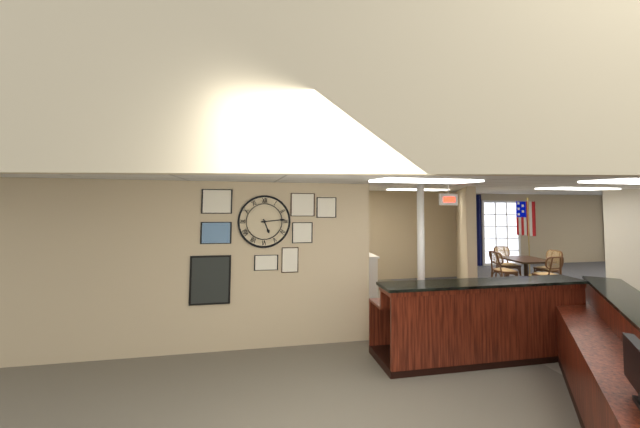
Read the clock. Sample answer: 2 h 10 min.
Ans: 5 h 14 min
